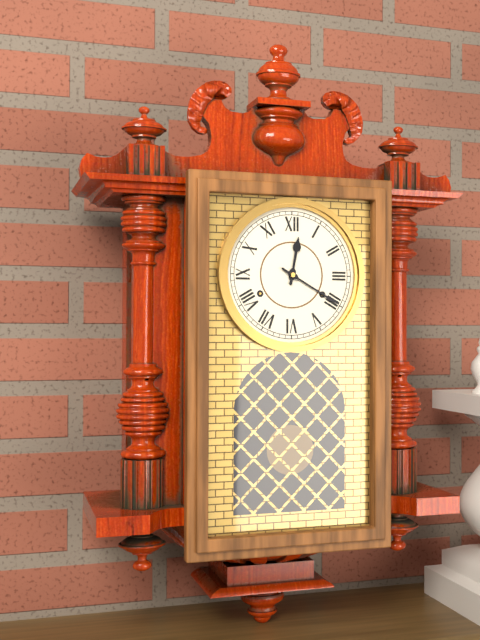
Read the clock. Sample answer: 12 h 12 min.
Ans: 12 h 20 min
